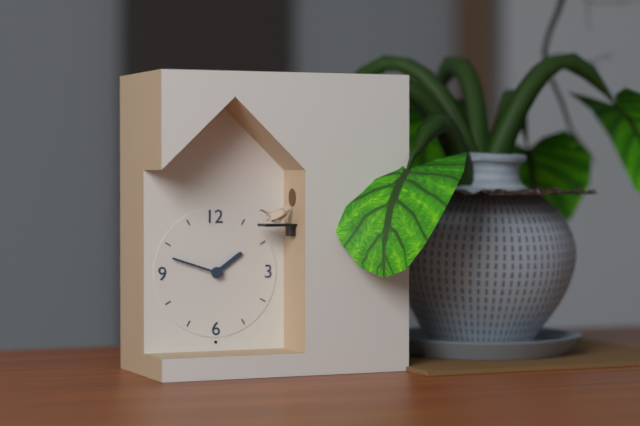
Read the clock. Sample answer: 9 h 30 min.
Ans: 1 h 48 min
